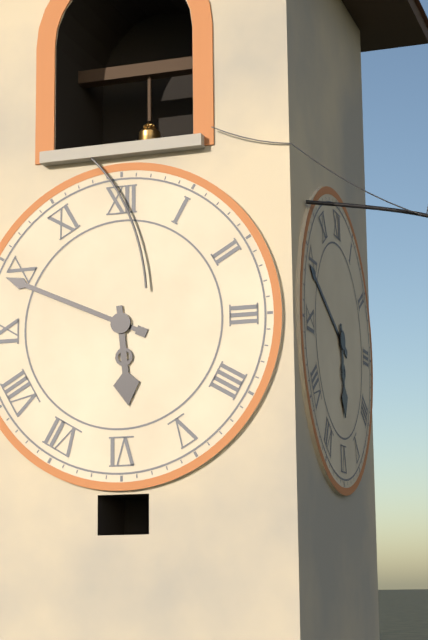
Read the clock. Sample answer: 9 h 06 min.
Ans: 5 h 49 min
